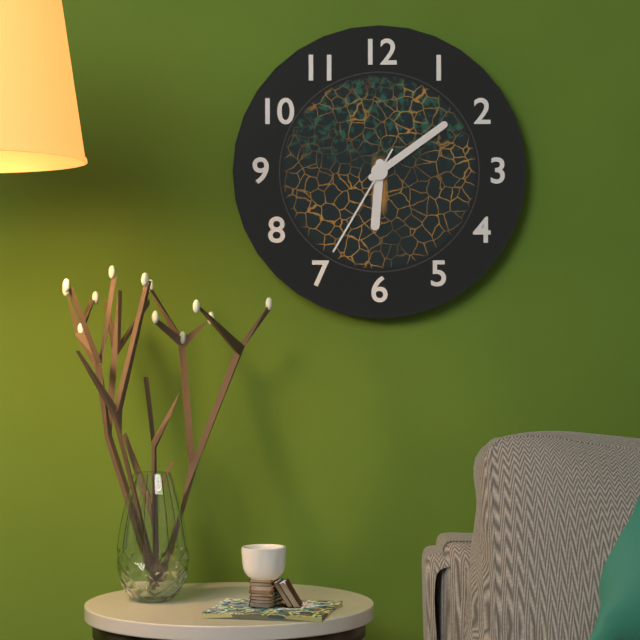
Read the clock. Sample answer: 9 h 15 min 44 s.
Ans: 6 h 09 min 35 s
